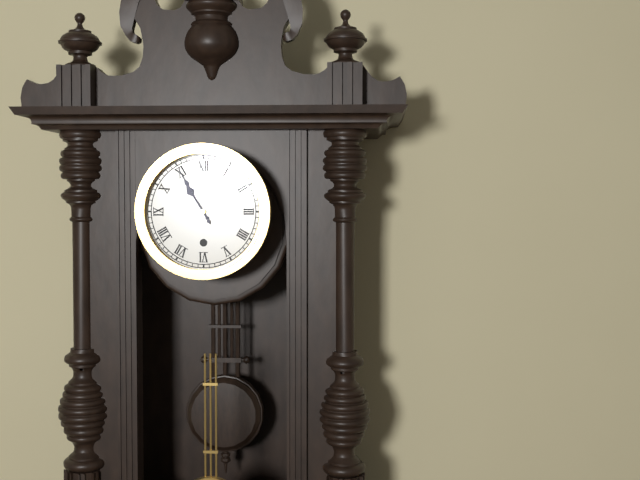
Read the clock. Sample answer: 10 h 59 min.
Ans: 10 h 55 min
